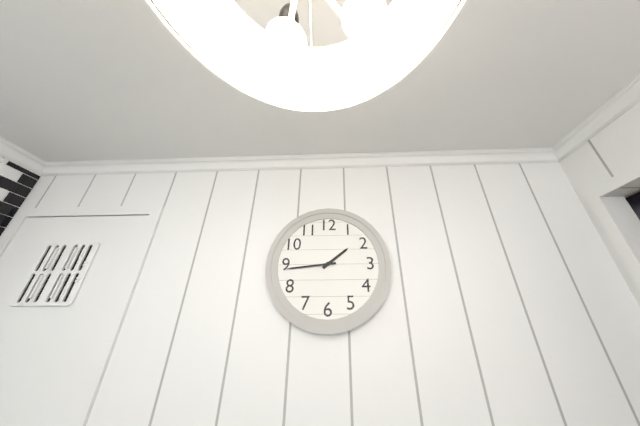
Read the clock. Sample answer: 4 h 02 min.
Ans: 1 h 44 min
